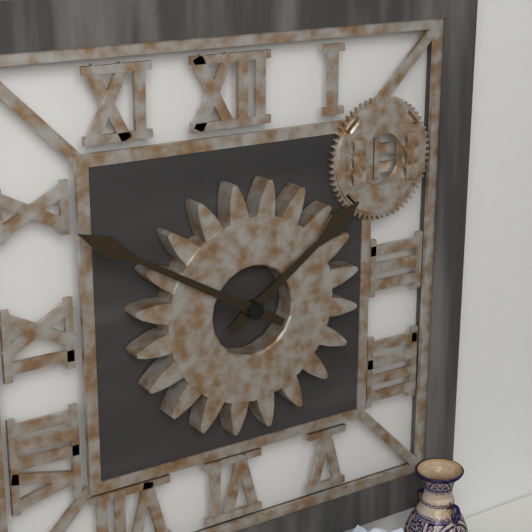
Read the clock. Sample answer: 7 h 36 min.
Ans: 1 h 50 min
